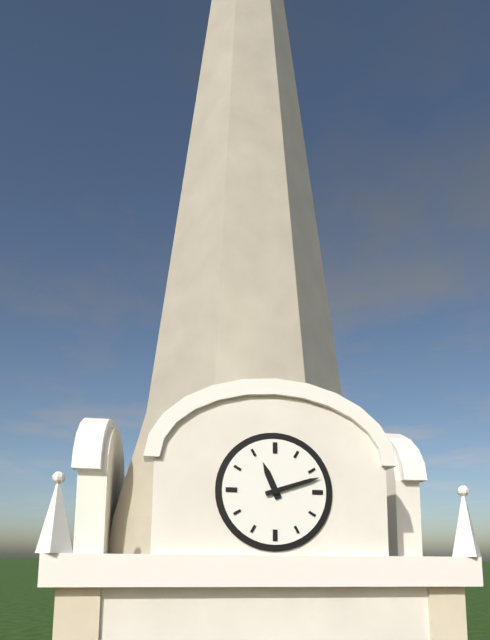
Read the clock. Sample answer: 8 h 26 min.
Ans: 11 h 12 min
